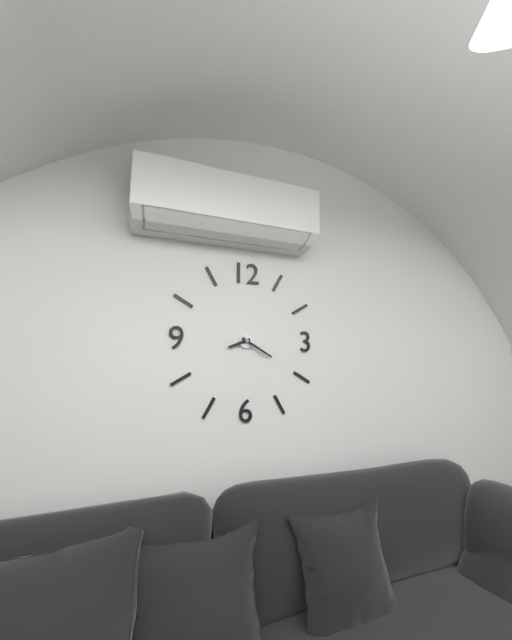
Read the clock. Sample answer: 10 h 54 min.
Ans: 8 h 20 min
